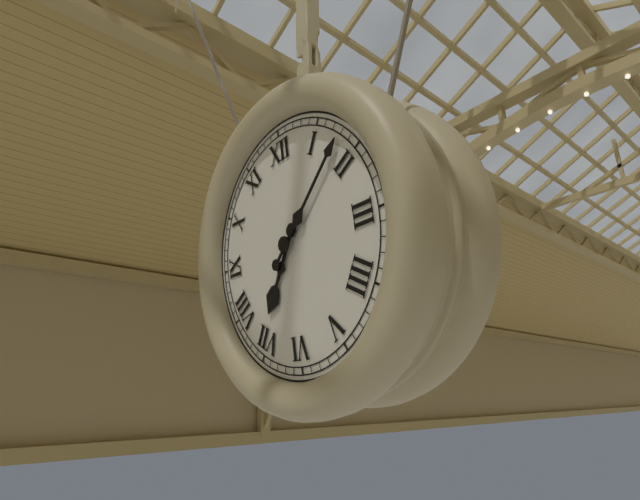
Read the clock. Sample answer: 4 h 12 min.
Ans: 7 h 08 min
